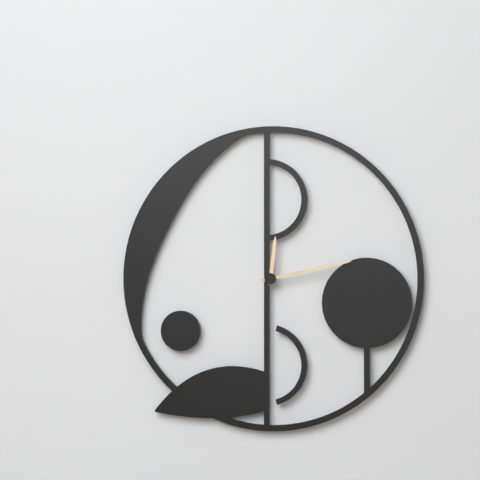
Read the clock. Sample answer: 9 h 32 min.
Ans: 12 h 13 min
